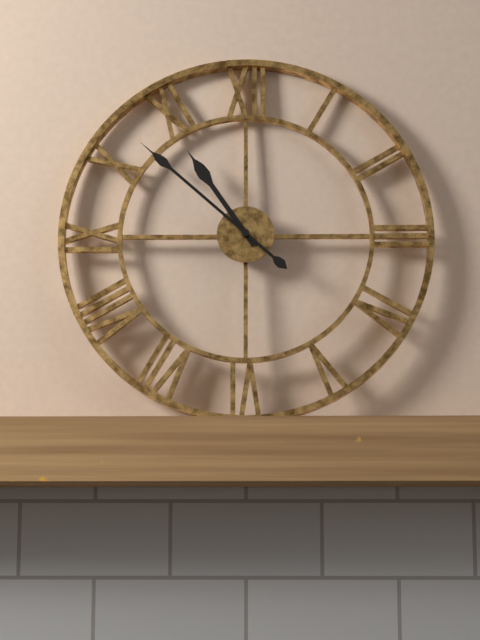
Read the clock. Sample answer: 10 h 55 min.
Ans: 10 h 52 min
